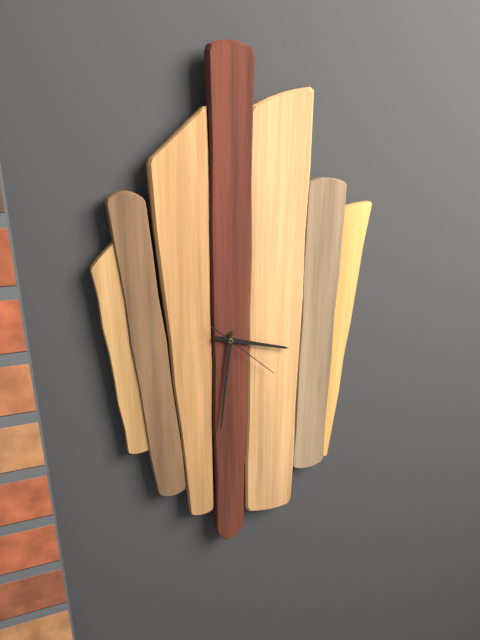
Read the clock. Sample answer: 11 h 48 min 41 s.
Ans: 3 h 31 min 22 s
